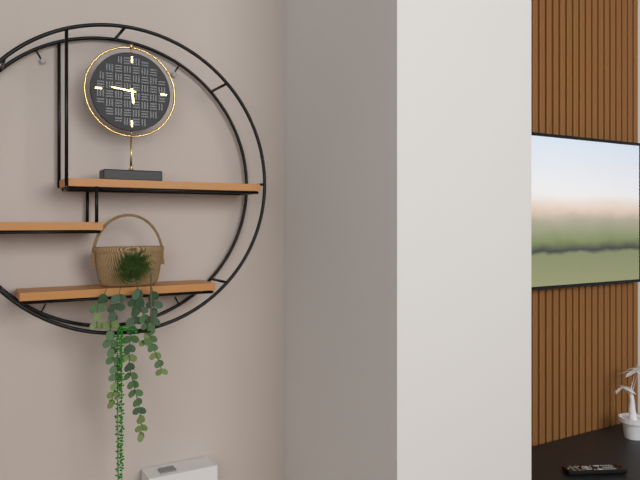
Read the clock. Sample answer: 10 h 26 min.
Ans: 5 h 46 min
